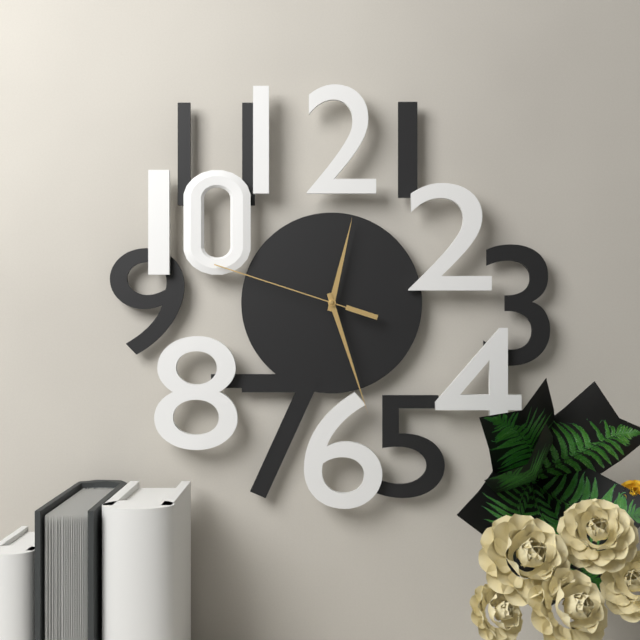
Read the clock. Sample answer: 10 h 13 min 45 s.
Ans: 12 h 27 min 48 s
